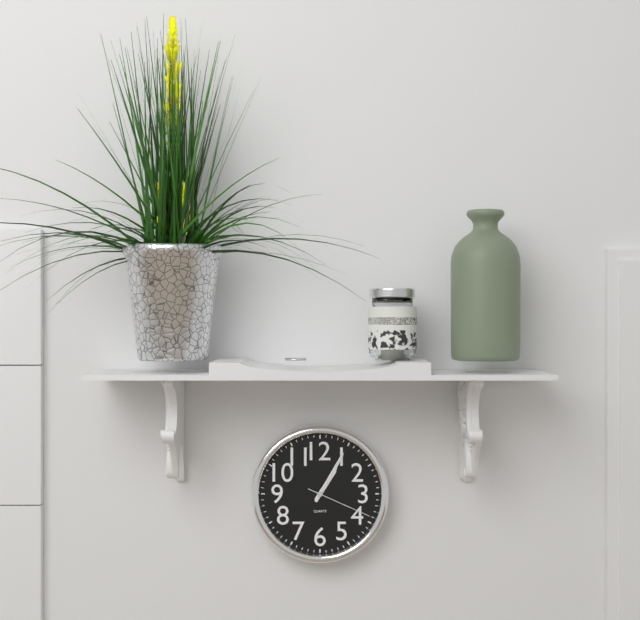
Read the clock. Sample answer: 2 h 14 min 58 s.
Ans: 1 h 05 min 19 s
